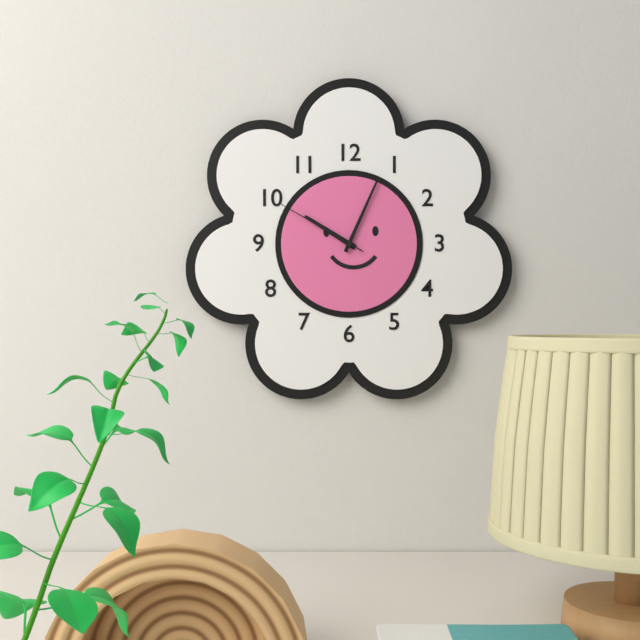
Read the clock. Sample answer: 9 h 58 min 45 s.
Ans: 10 h 04 min 50 s
